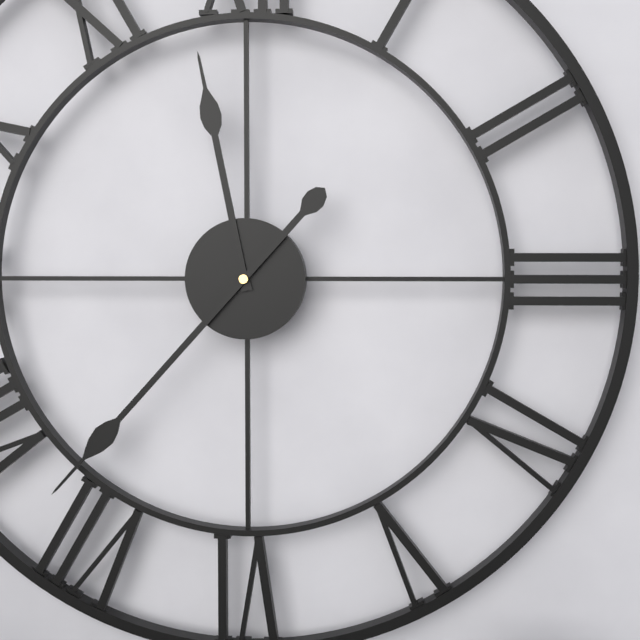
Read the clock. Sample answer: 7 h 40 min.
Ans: 11 h 37 min
